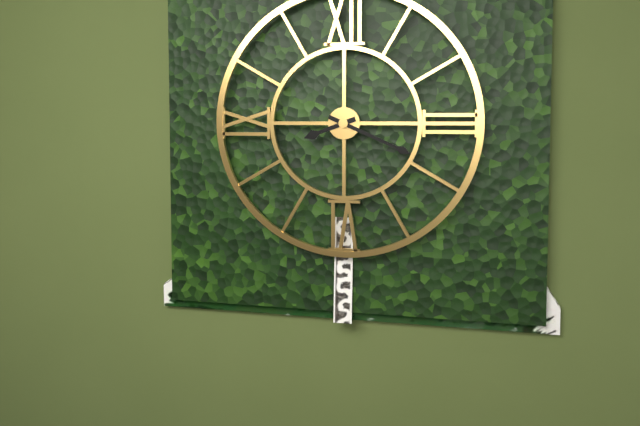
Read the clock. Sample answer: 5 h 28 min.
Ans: 8 h 19 min
